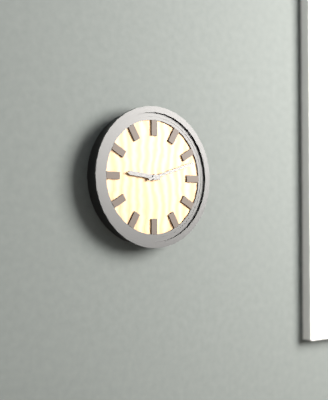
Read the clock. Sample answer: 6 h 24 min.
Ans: 9 h 12 min
